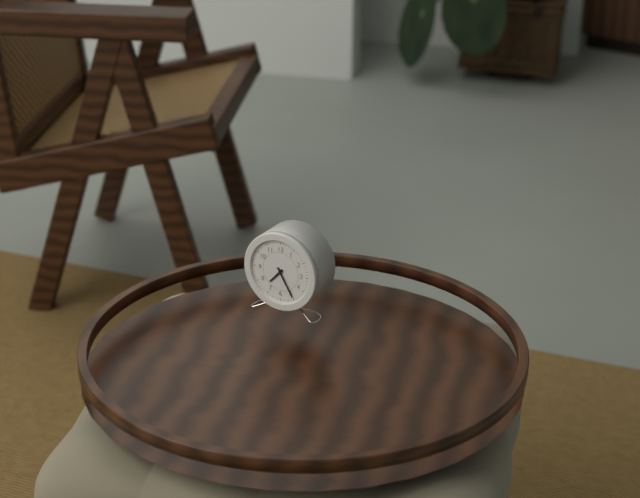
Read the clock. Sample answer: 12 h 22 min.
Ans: 7 h 25 min
